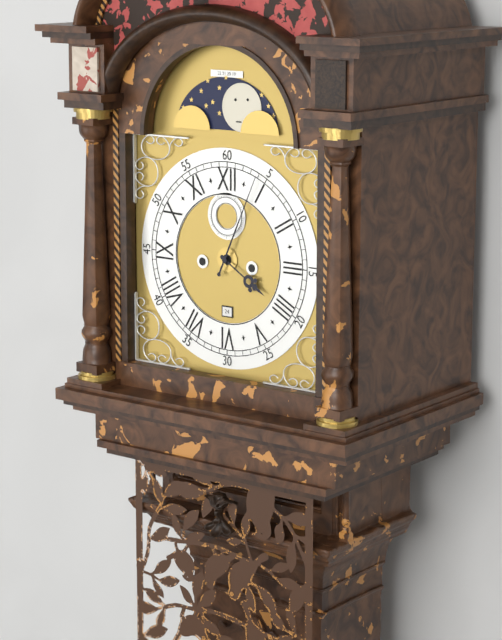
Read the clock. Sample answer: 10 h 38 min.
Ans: 4 h 04 min
